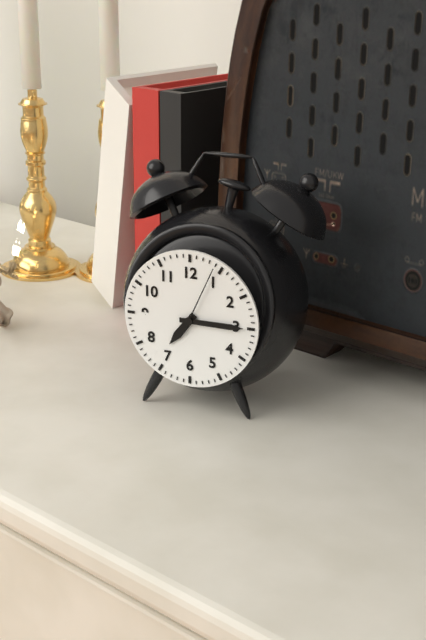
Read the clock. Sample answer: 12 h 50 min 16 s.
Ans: 7 h 15 min 04 s
